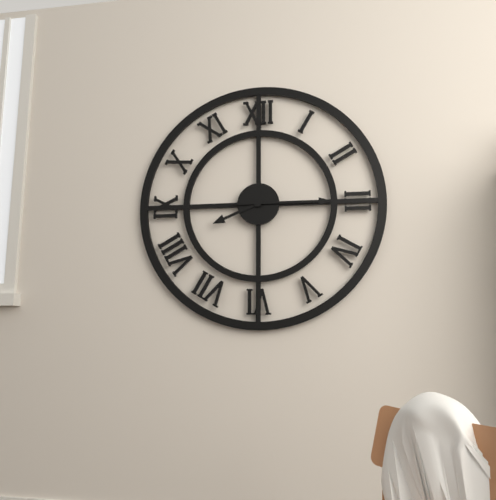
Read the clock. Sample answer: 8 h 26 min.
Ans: 8 h 15 min
